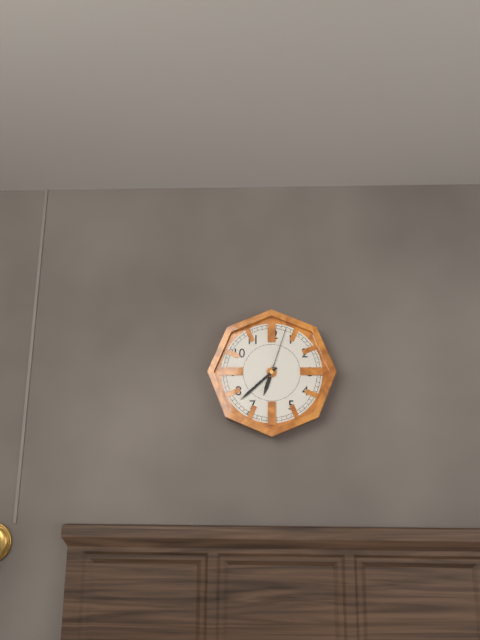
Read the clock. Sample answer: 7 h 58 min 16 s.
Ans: 6 h 38 min 03 s
